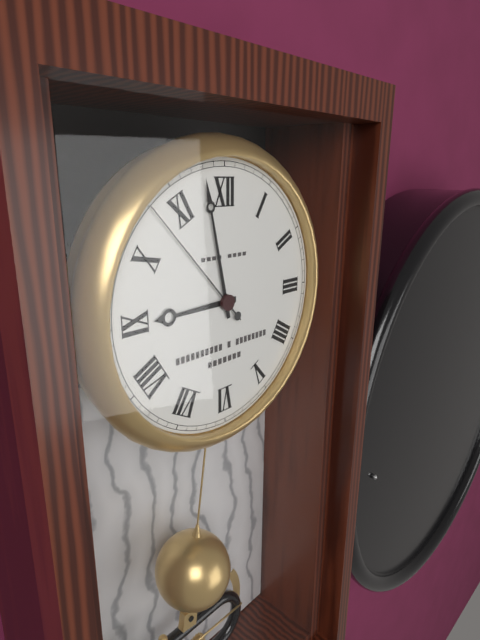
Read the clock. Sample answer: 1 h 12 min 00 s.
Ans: 8 h 58 min 53 s
